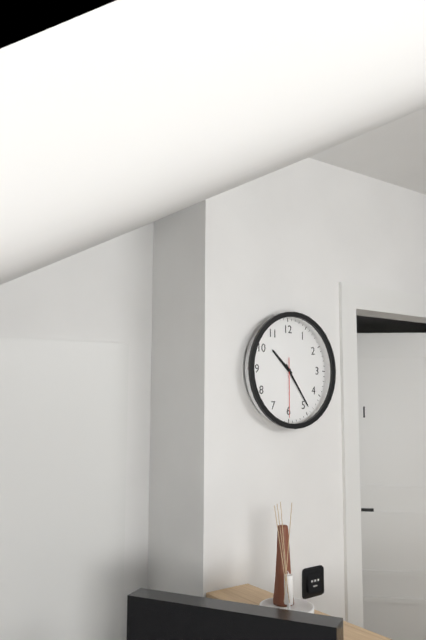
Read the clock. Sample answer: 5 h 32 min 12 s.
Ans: 10 h 24 min 30 s
